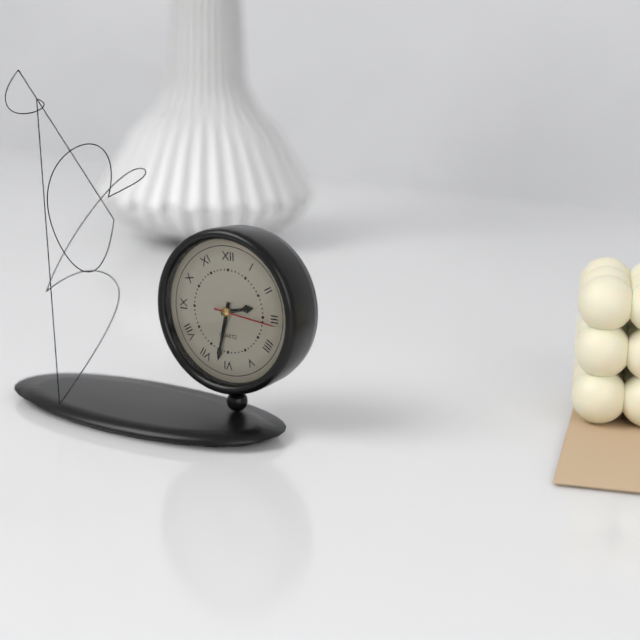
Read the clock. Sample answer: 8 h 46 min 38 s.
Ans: 2 h 32 min 16 s
